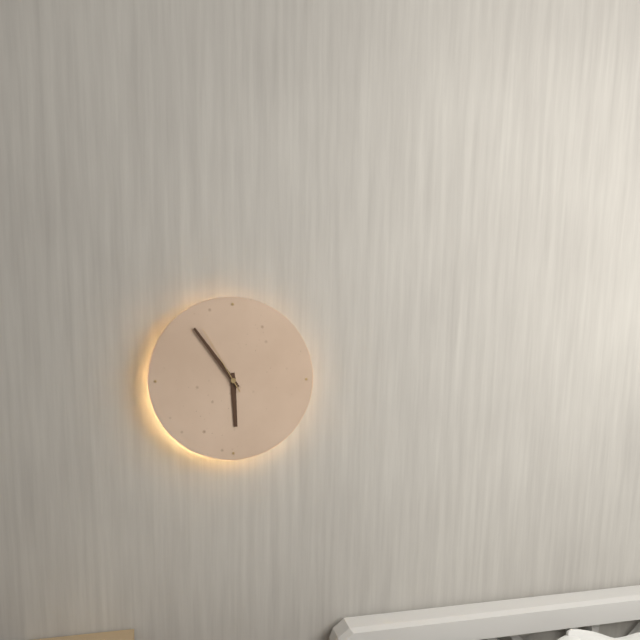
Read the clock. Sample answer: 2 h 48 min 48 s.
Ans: 5 h 54 min 55 s
